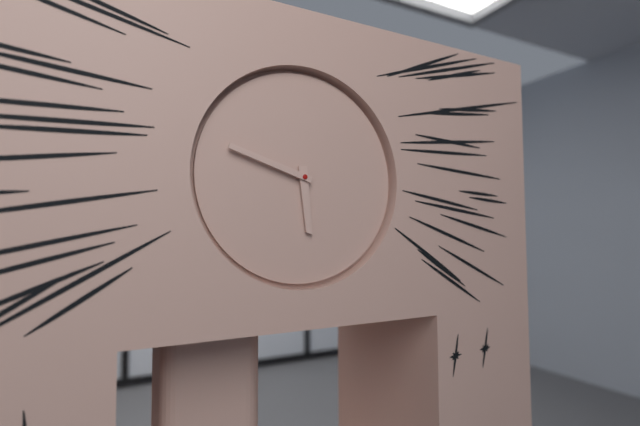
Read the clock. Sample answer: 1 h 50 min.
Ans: 5 h 48 min
